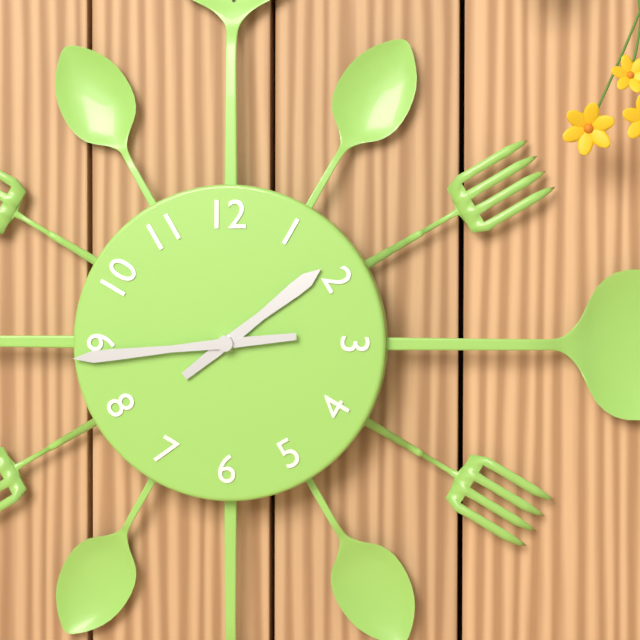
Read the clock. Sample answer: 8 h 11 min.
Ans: 1 h 44 min
